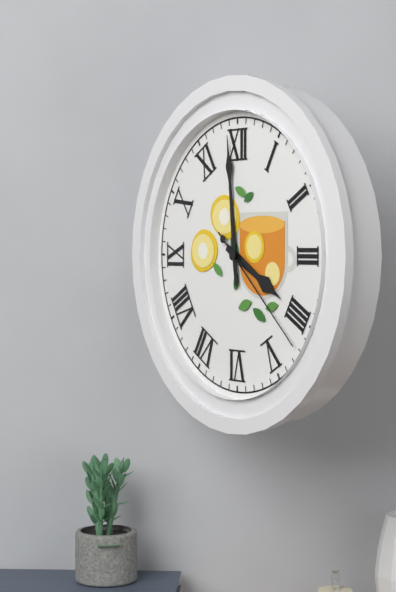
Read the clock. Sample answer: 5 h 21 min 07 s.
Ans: 3 h 59 min 22 s
